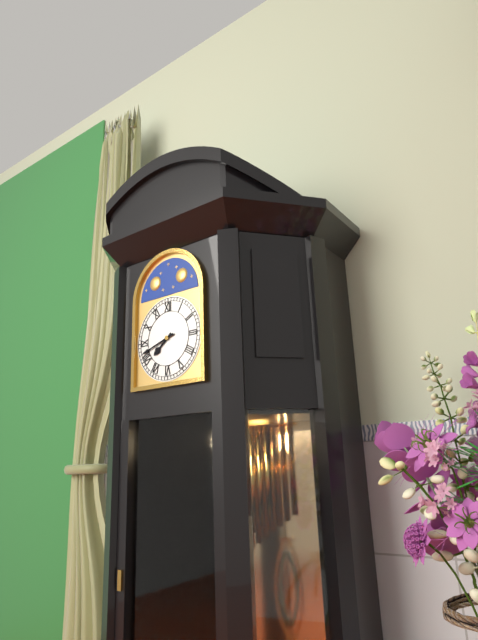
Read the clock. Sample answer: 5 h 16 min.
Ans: 7 h 42 min
